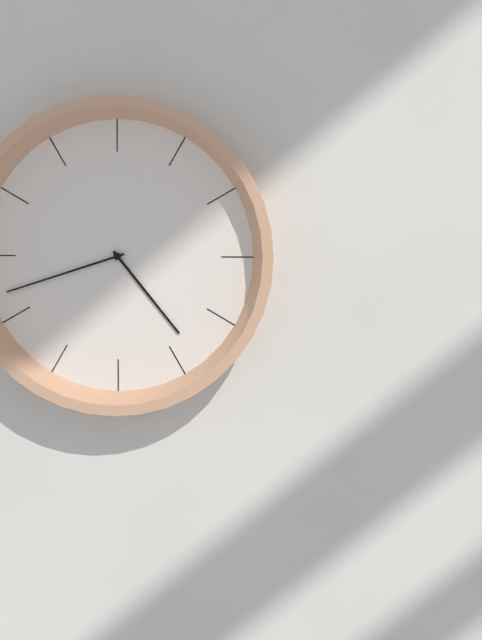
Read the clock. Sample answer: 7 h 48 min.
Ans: 4 h 42 min
